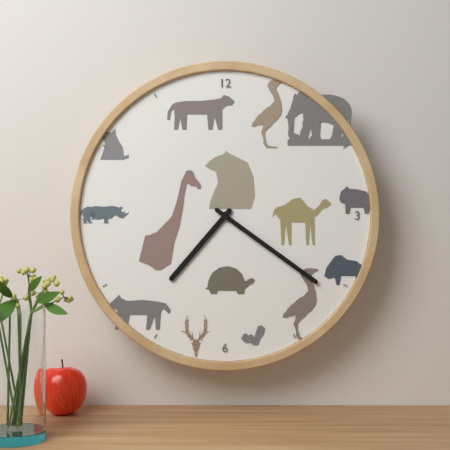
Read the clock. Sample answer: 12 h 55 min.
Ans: 7 h 21 min
